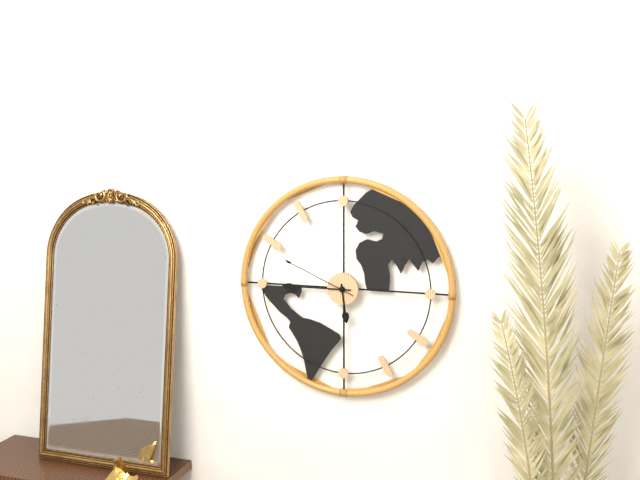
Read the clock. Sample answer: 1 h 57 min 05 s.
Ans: 5 h 45 min 49 s
